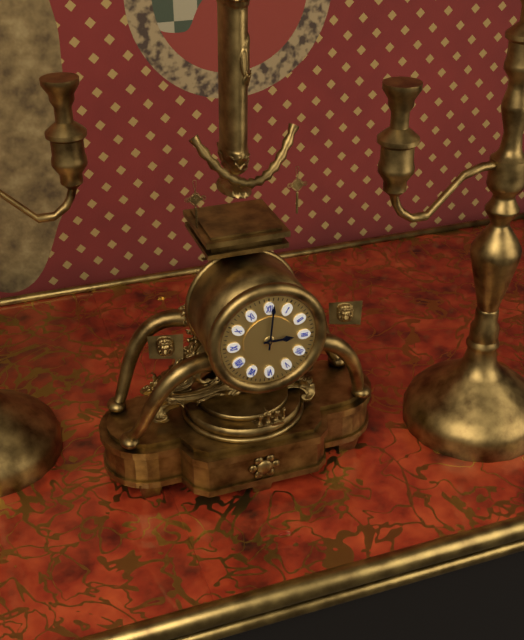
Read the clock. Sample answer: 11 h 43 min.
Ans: 3 h 01 min
